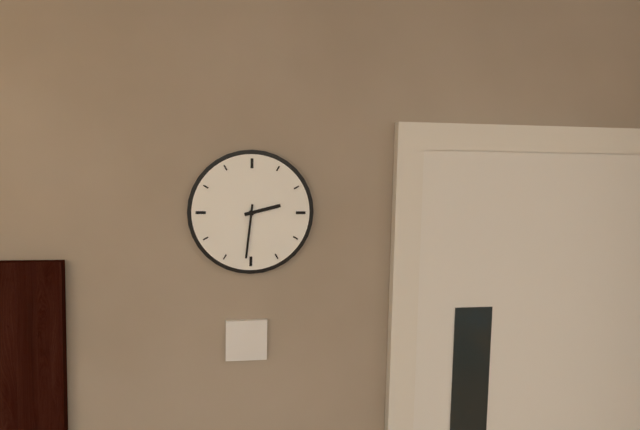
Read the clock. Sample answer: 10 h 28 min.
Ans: 2 h 31 min
